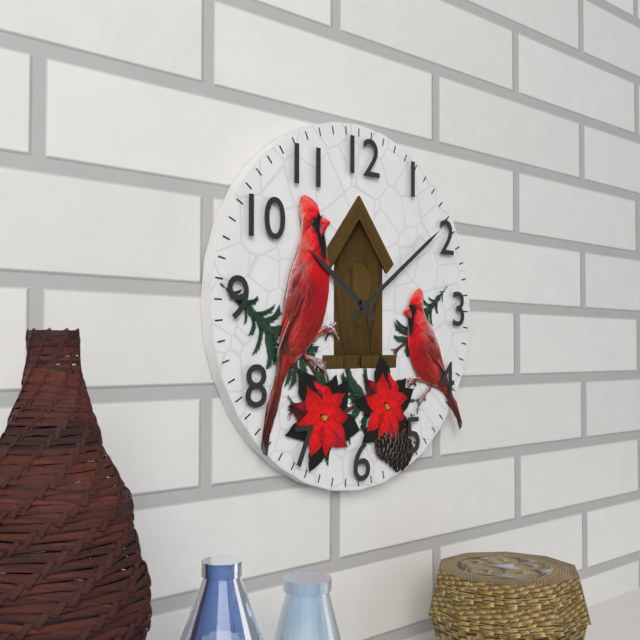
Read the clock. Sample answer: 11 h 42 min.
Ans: 10 h 09 min
